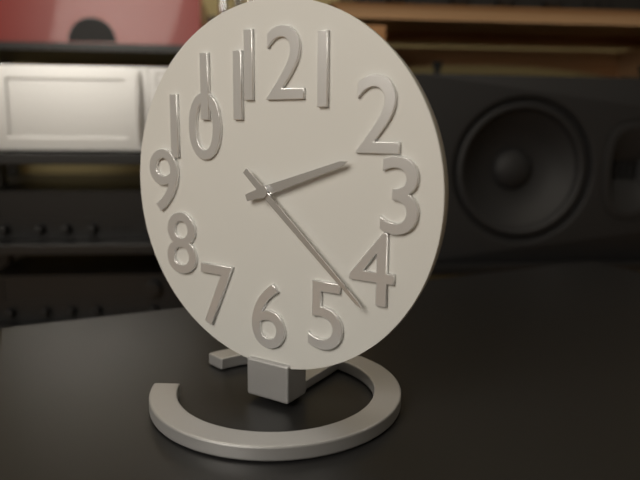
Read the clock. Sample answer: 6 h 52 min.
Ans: 2 h 22 min
